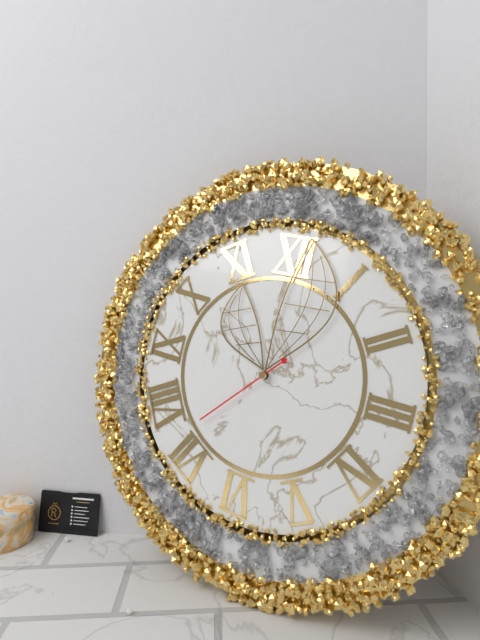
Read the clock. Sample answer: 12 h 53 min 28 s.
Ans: 11 h 01 min 37 s
